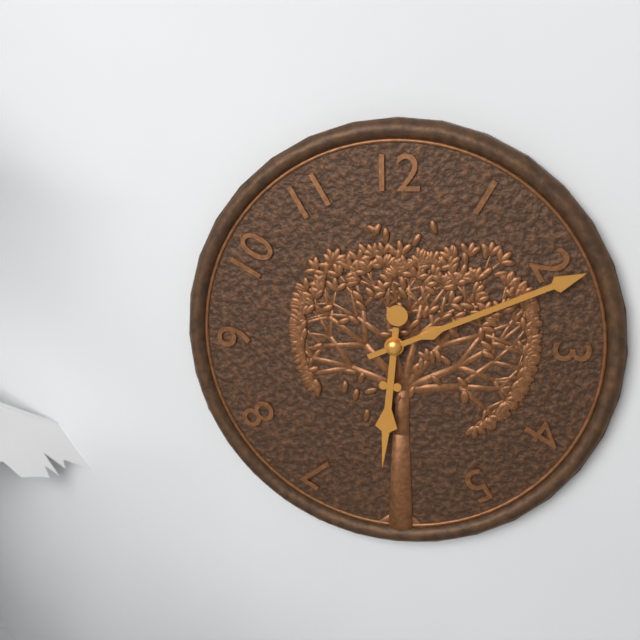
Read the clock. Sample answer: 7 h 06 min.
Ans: 6 h 11 min
